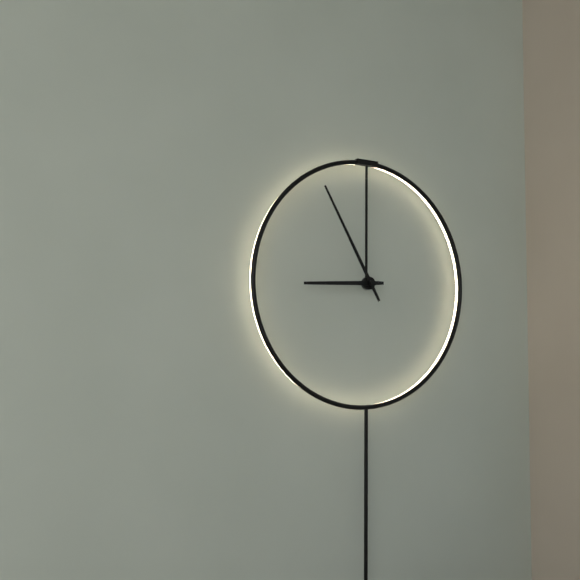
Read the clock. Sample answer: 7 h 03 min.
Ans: 8 h 55 min
